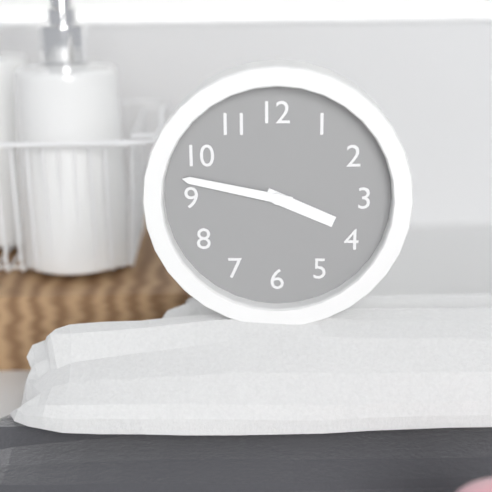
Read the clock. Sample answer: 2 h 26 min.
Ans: 3 h 47 min
